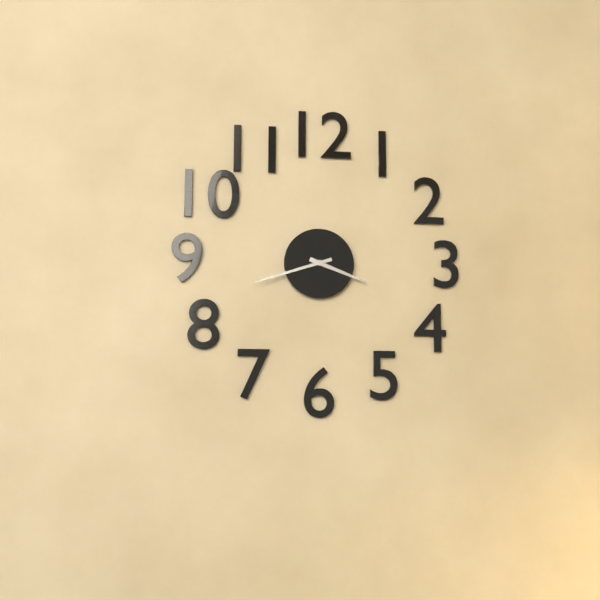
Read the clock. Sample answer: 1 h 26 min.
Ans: 3 h 42 min
